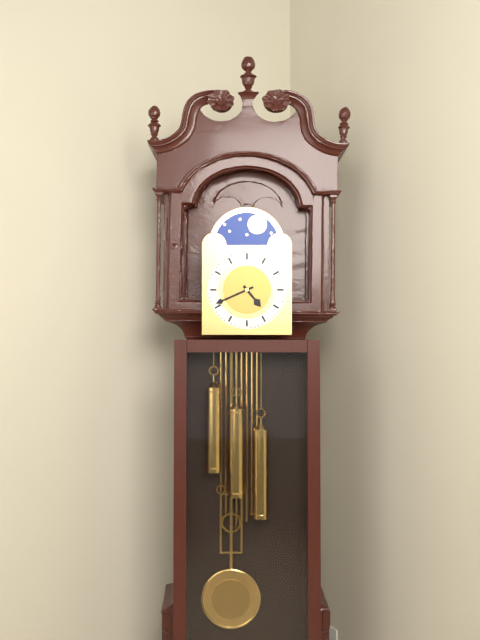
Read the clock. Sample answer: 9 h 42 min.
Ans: 4 h 41 min
